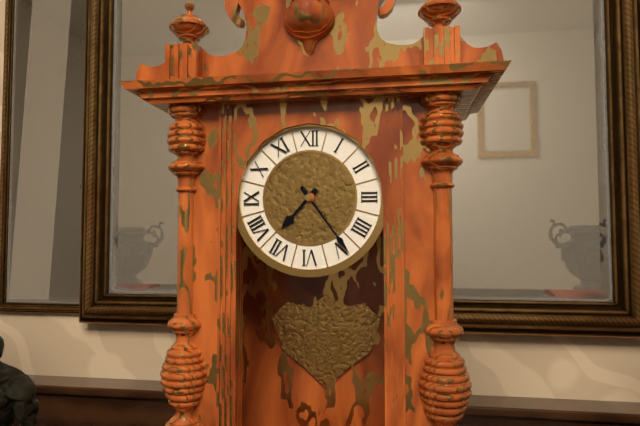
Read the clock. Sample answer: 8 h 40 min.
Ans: 7 h 24 min
